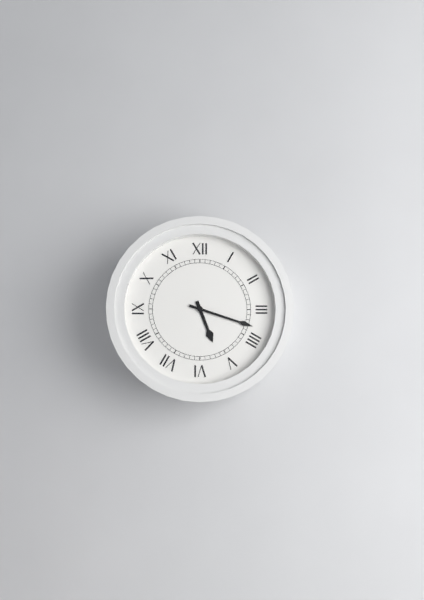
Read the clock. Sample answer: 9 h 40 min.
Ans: 5 h 18 min
